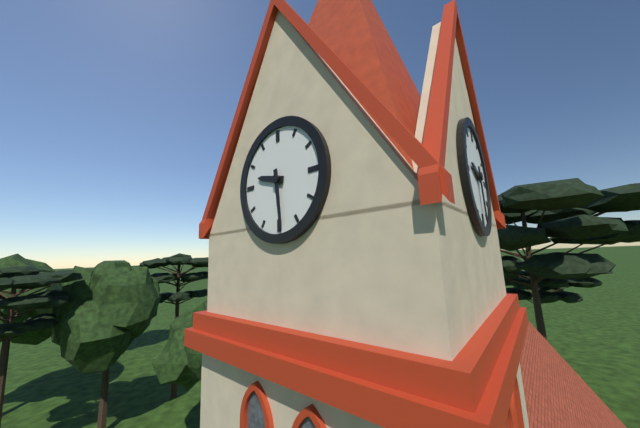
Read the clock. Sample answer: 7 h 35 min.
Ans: 9 h 29 min
